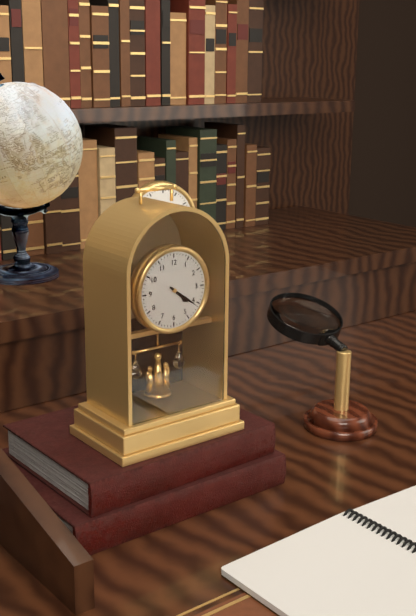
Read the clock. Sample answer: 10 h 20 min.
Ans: 4 h 21 min
